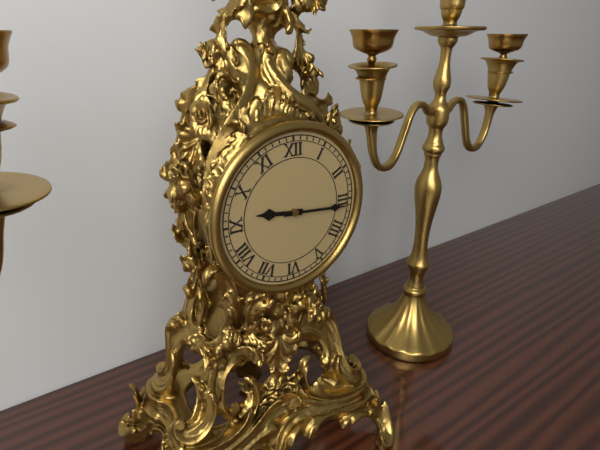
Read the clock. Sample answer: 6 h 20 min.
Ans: 9 h 16 min
